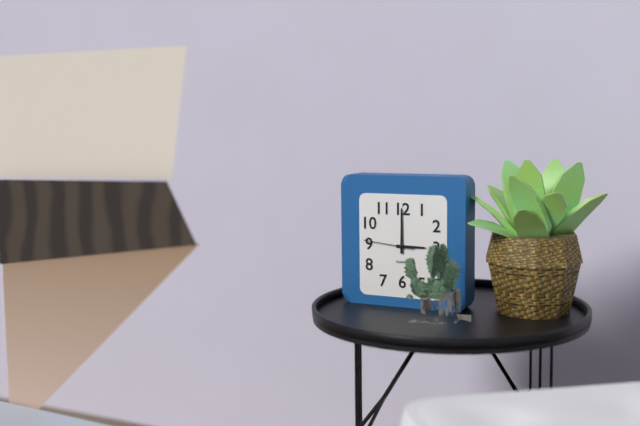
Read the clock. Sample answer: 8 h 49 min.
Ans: 3 h 00 min
